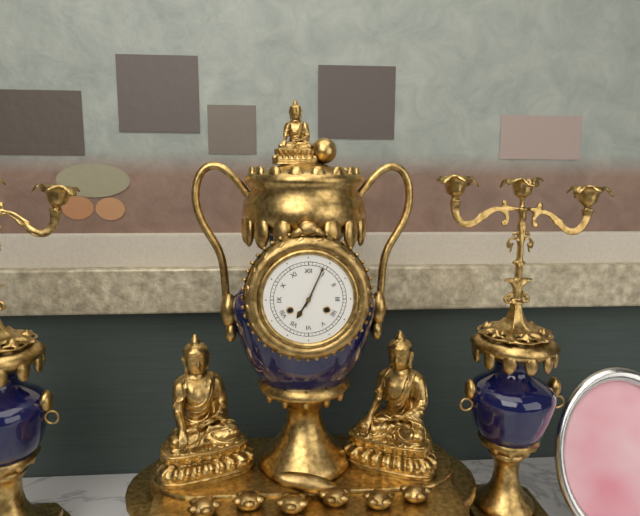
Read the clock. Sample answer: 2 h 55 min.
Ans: 7 h 04 min
